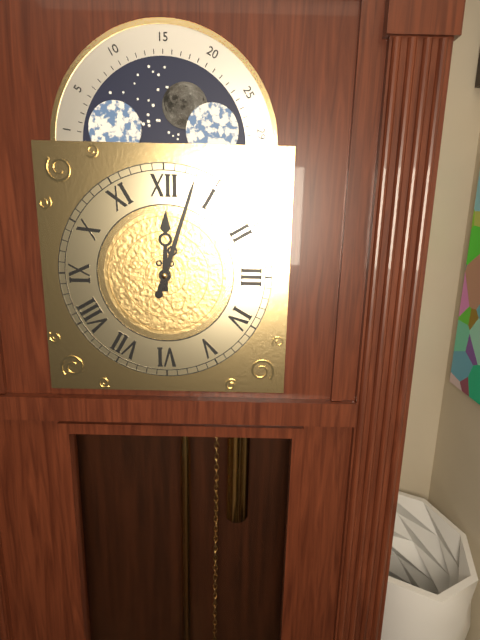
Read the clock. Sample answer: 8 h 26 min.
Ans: 12 h 03 min
